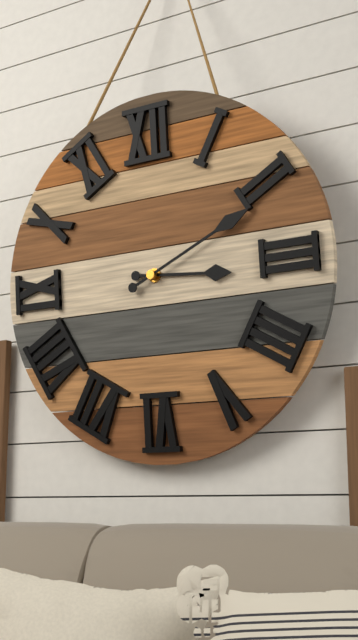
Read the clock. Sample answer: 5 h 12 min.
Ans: 3 h 11 min
